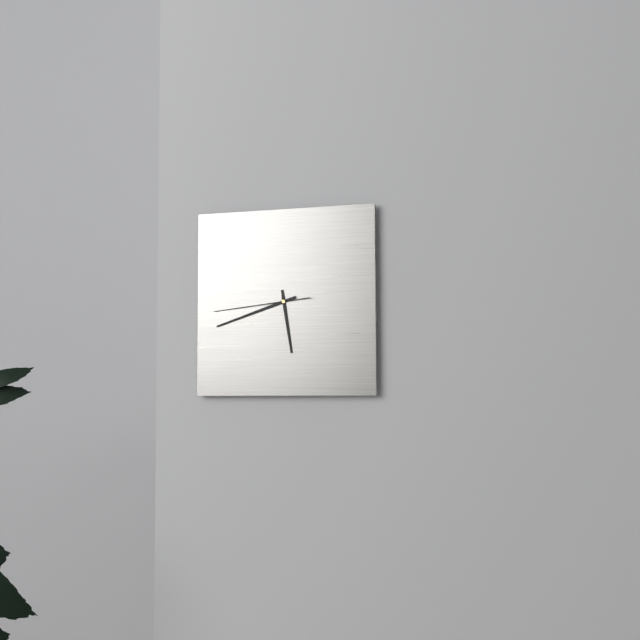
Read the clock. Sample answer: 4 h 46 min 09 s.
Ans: 5 h 42 min 44 s
